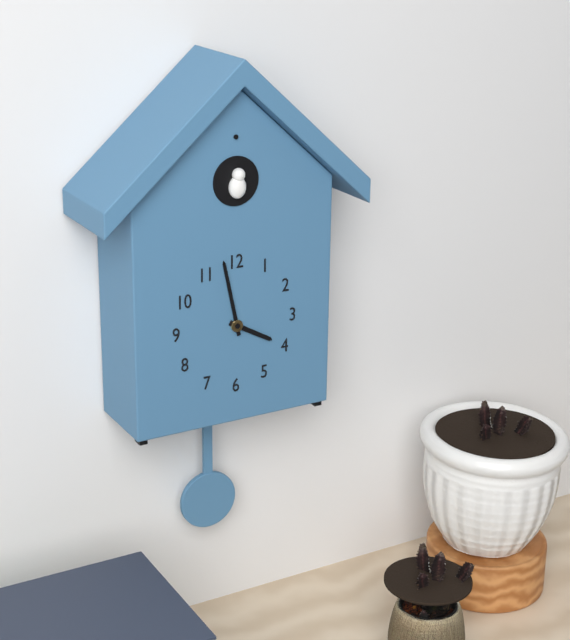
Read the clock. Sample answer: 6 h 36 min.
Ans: 3 h 58 min
